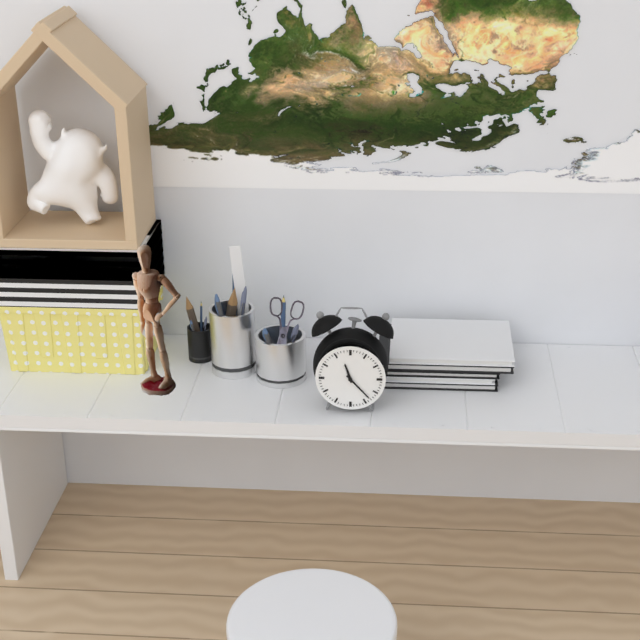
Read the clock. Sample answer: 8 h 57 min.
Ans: 11 h 23 min
